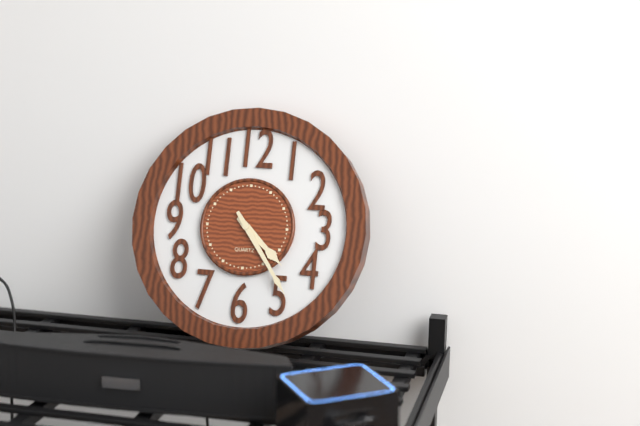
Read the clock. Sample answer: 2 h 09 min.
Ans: 4 h 24 min
